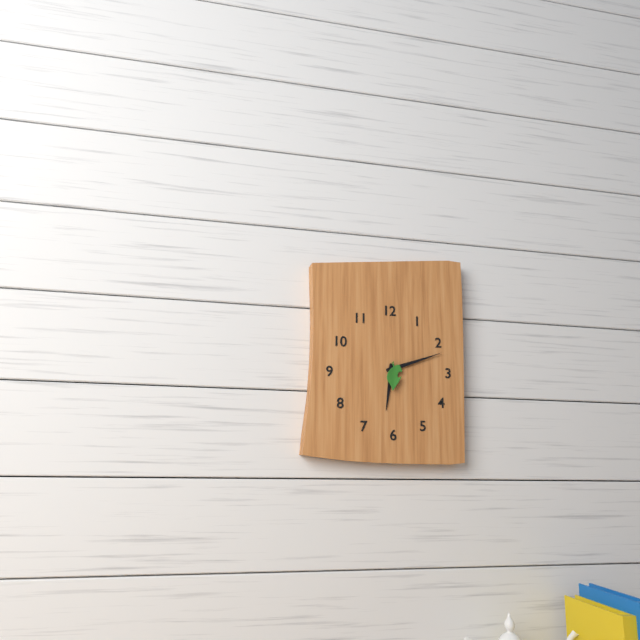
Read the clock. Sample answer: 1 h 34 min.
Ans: 6 h 12 min
